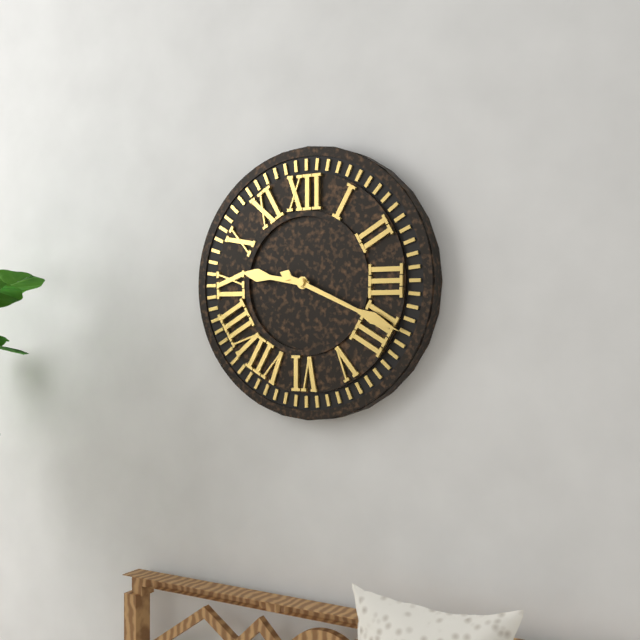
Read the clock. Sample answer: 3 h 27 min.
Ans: 9 h 19 min
